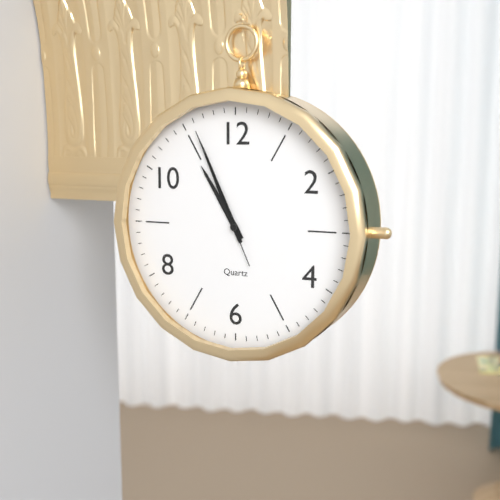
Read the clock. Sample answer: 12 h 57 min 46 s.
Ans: 10 h 56 min 56 s
